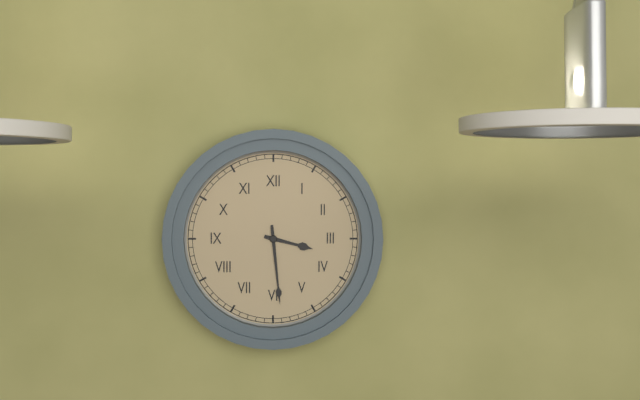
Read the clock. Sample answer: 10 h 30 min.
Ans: 3 h 29 min
